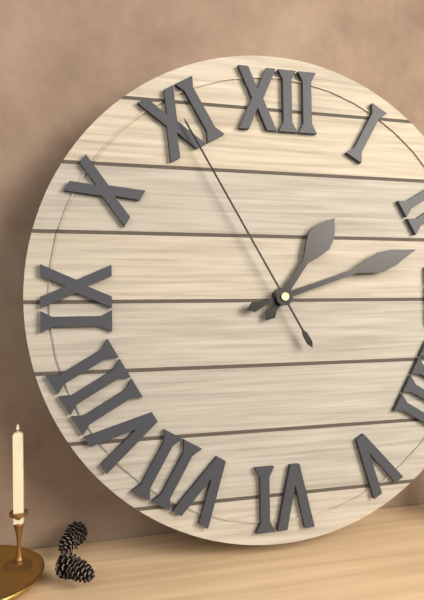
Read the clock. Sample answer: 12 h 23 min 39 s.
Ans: 1 h 12 min 55 s
